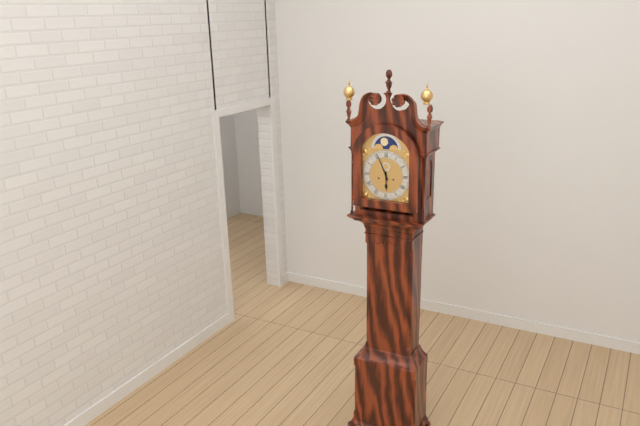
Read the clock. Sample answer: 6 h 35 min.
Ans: 5 h 56 min
